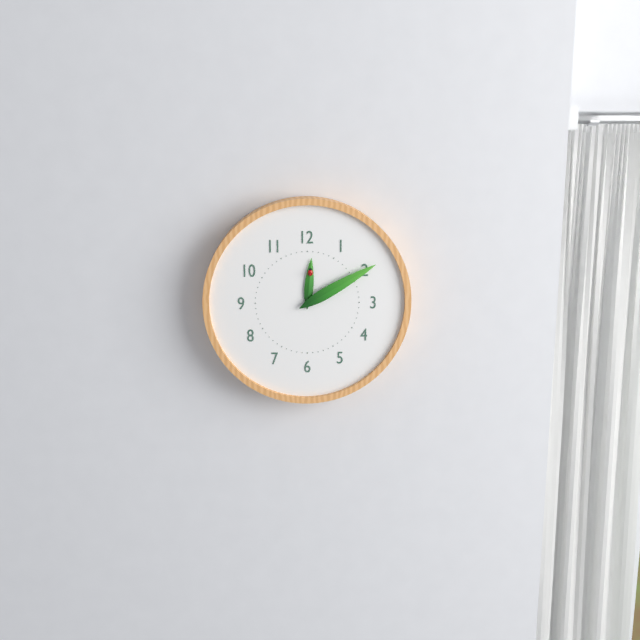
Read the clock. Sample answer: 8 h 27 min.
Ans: 12 h 10 min
